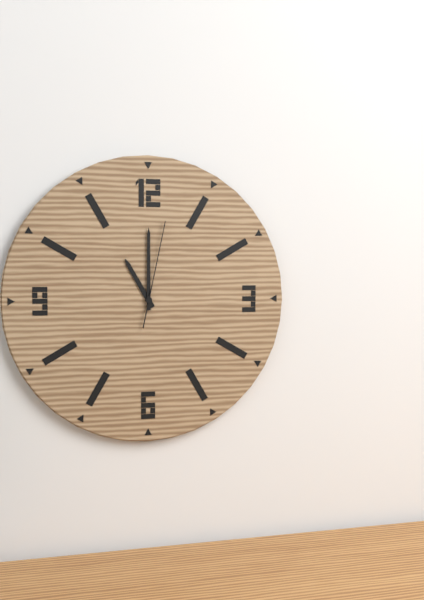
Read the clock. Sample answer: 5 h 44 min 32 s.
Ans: 11 h 00 min 02 s
